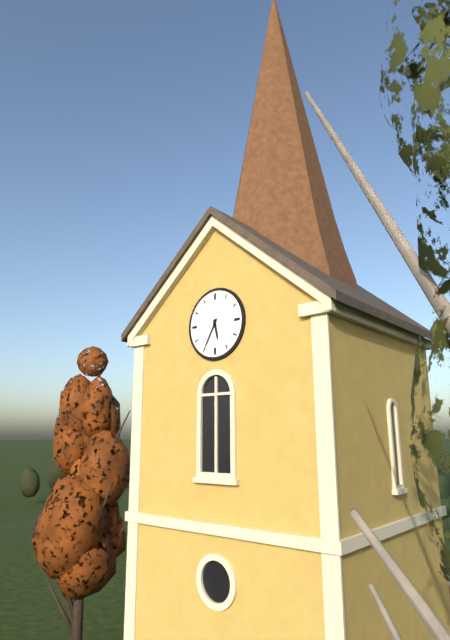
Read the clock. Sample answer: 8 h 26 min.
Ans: 5 h 35 min
